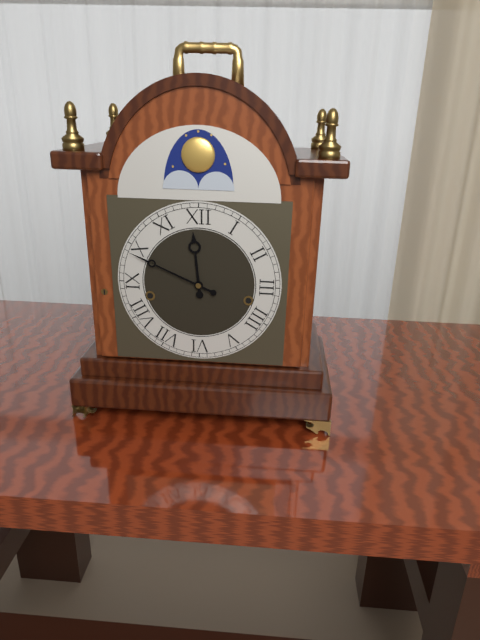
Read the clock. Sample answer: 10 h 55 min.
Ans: 11 h 49 min
